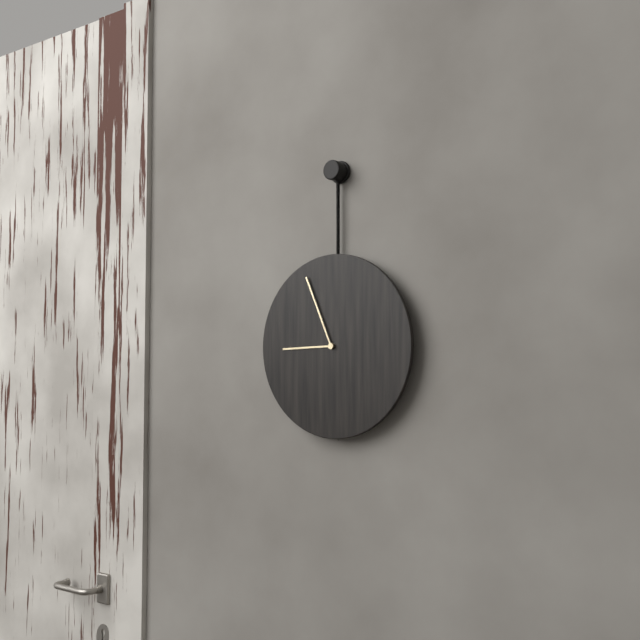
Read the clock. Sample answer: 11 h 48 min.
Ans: 8 h 56 min
